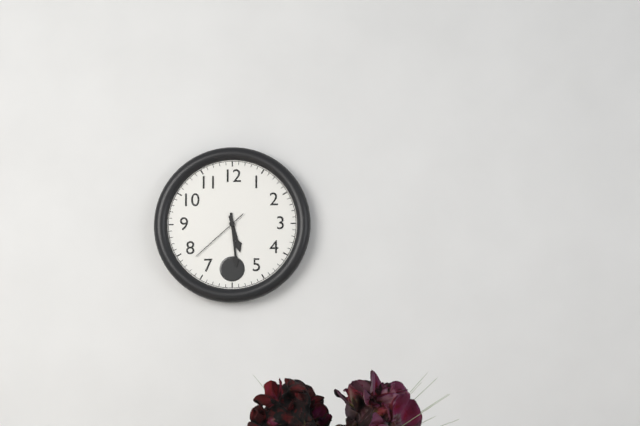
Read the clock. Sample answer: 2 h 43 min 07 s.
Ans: 5 h 29 min 38 s
